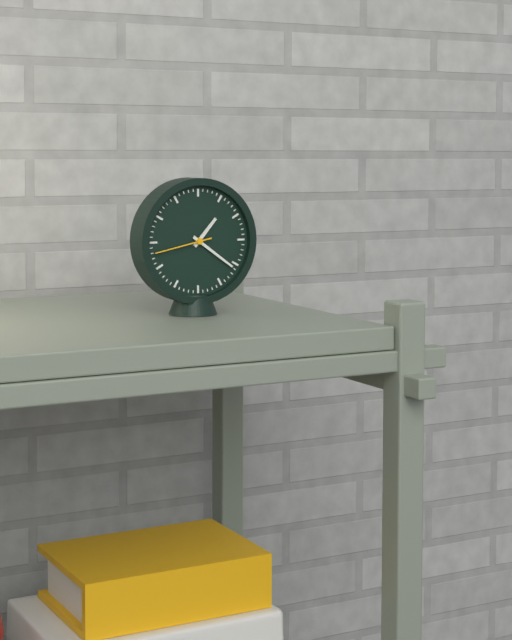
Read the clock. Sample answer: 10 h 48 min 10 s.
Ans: 1 h 21 min 43 s
